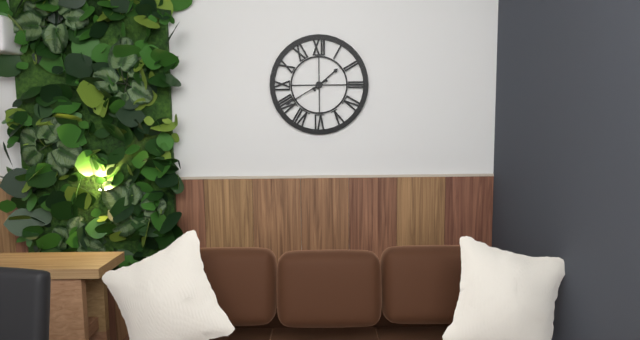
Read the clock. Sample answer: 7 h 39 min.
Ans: 1 h 40 min
